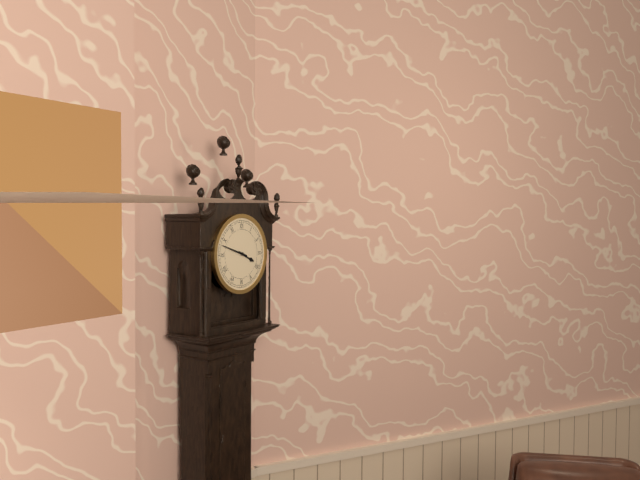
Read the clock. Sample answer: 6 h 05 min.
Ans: 3 h 48 min
